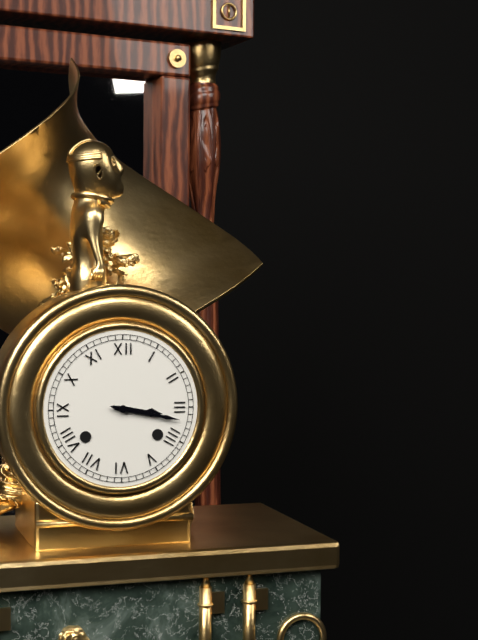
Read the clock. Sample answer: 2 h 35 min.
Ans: 3 h 17 min
